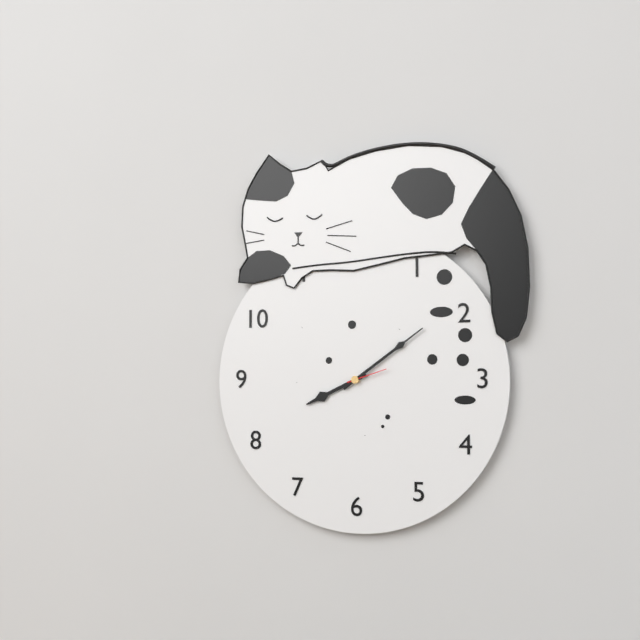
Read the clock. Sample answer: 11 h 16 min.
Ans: 8 h 09 min
